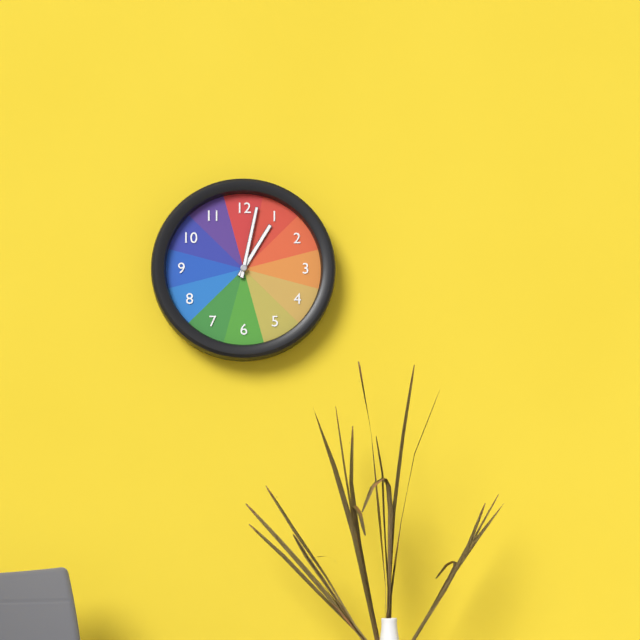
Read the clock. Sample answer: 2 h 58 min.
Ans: 1 h 02 min
